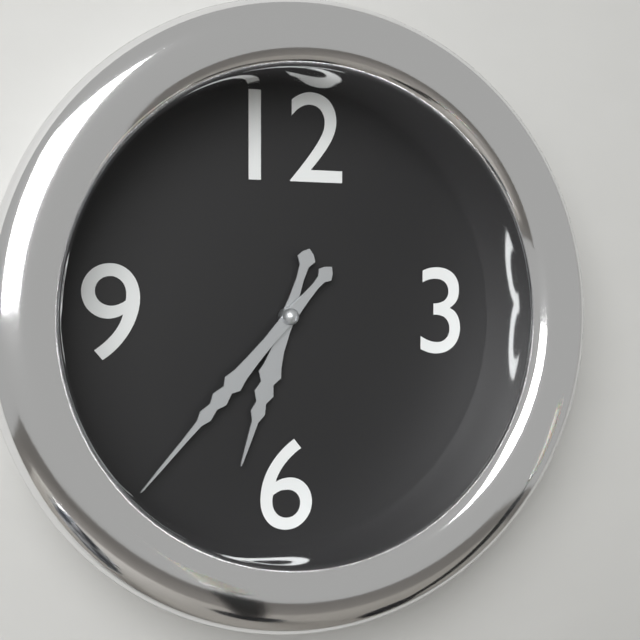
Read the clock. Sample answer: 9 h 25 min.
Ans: 6 h 37 min
